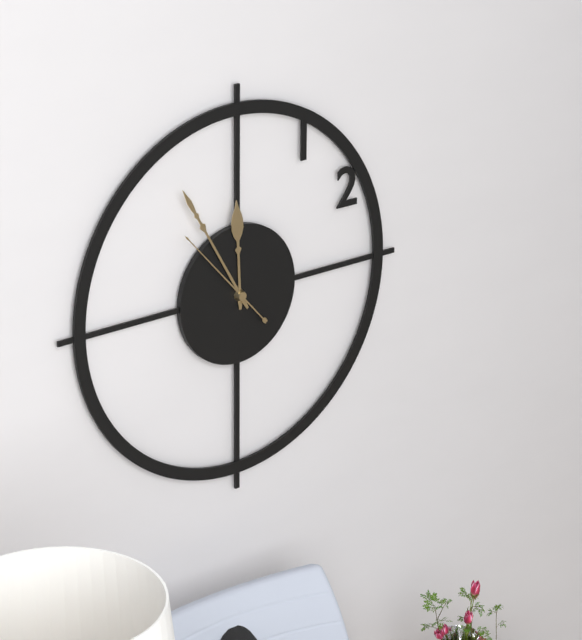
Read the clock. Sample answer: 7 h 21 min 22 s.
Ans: 11 h 55 min 53 s
